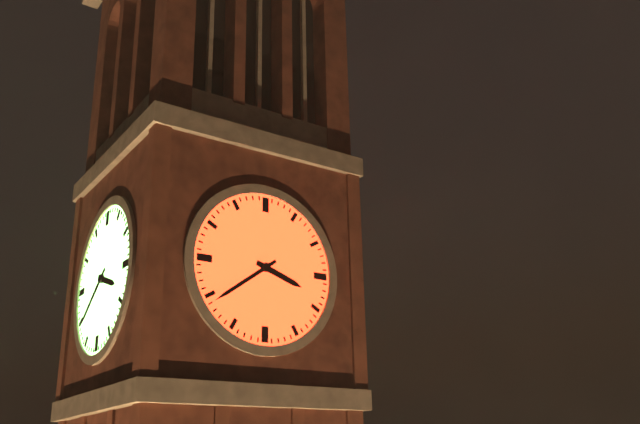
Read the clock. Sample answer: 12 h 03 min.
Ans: 3 h 39 min
